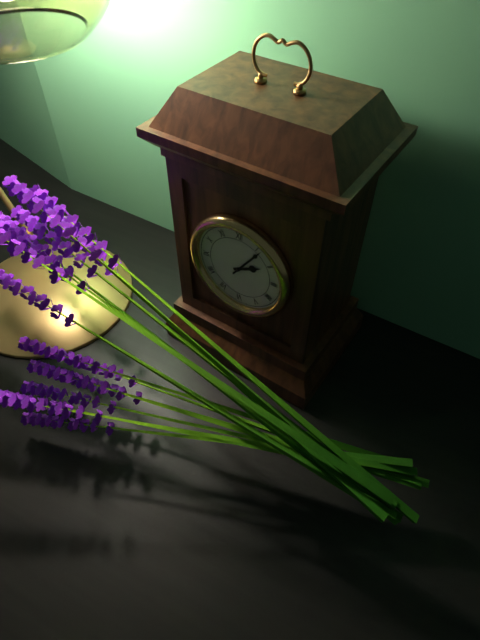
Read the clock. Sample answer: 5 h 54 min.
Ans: 2 h 06 min
